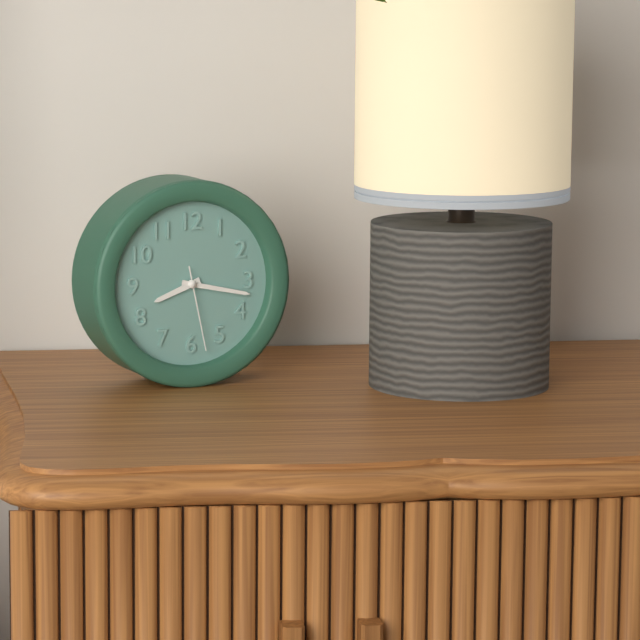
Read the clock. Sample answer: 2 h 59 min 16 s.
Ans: 8 h 17 min 28 s
